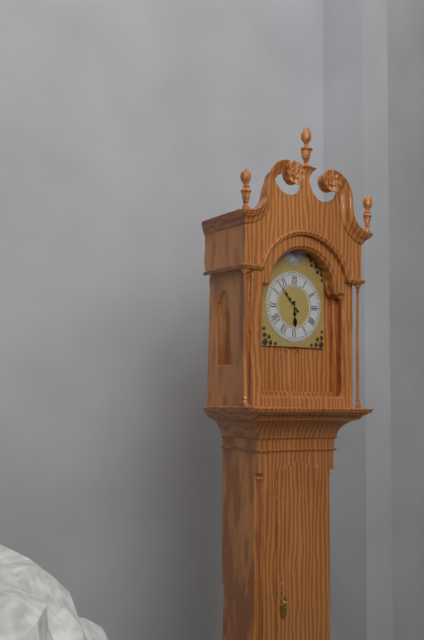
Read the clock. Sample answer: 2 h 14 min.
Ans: 5 h 53 min
